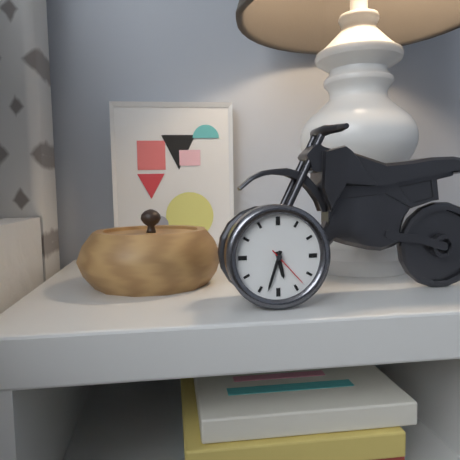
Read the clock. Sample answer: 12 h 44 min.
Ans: 5 h 33 min
